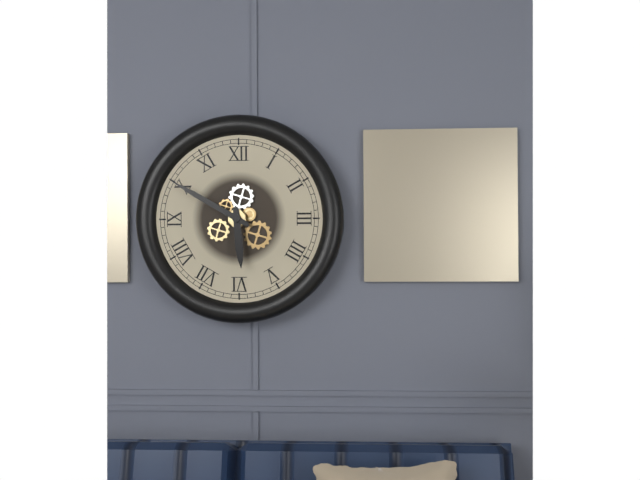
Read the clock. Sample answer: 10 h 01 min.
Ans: 5 h 50 min
